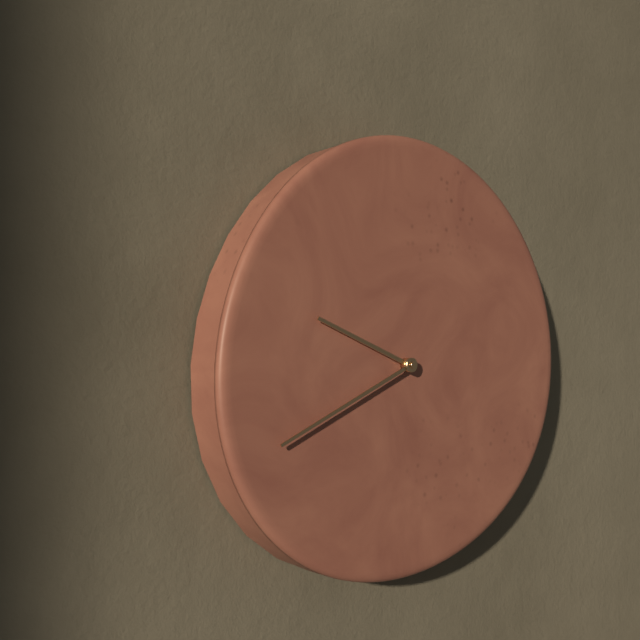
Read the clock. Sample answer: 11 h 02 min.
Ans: 9 h 41 min
